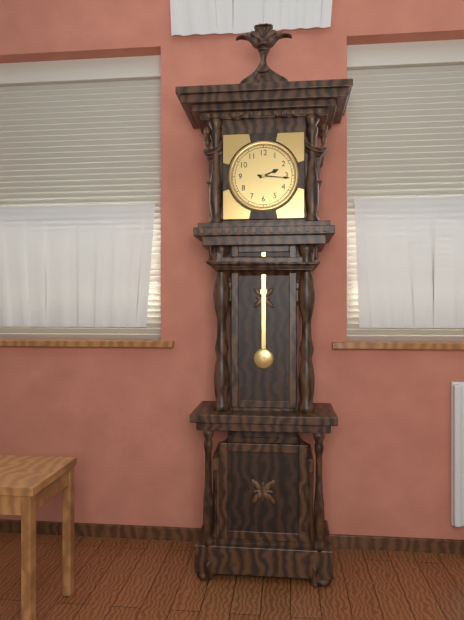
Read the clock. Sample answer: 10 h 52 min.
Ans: 2 h 16 min
